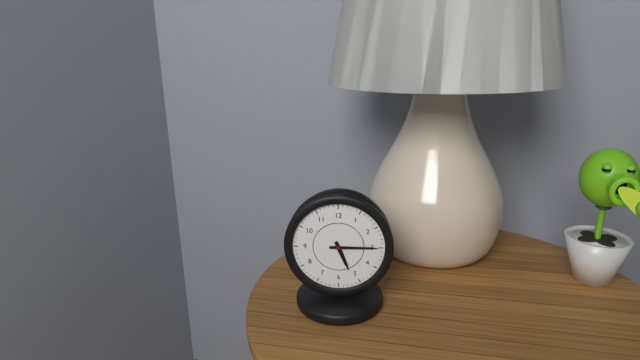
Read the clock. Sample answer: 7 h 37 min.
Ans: 5 h 15 min
